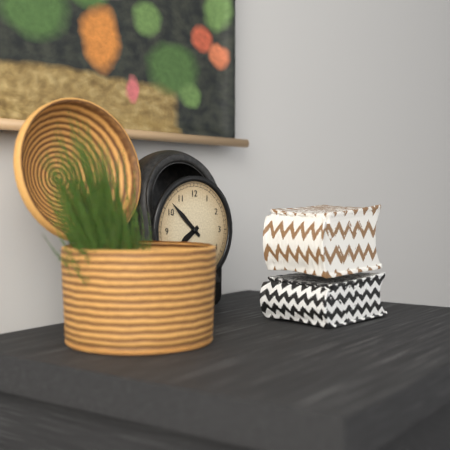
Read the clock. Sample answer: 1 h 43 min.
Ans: 7 h 52 min
